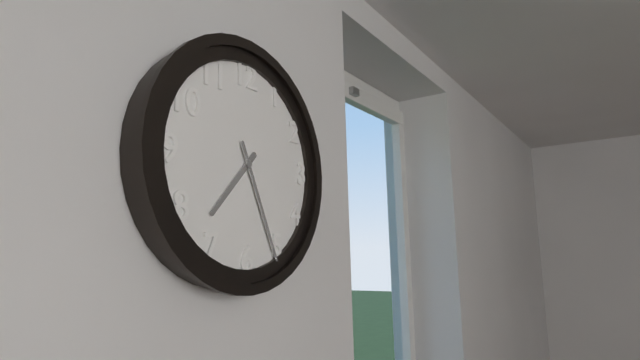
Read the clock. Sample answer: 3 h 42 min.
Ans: 7 h 26 min
